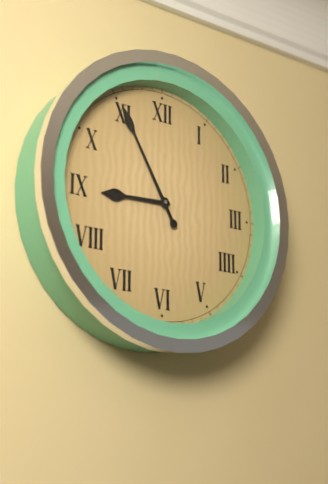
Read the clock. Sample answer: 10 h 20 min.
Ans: 8 h 55 min
